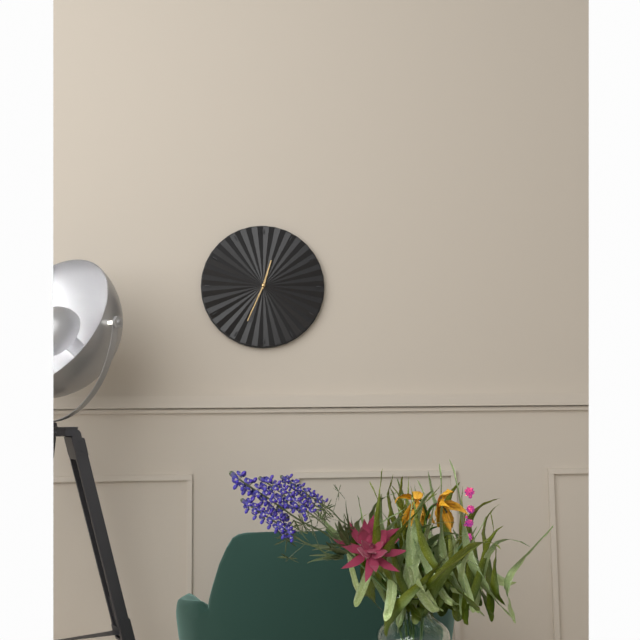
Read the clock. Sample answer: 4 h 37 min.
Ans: 12 h 34 min
